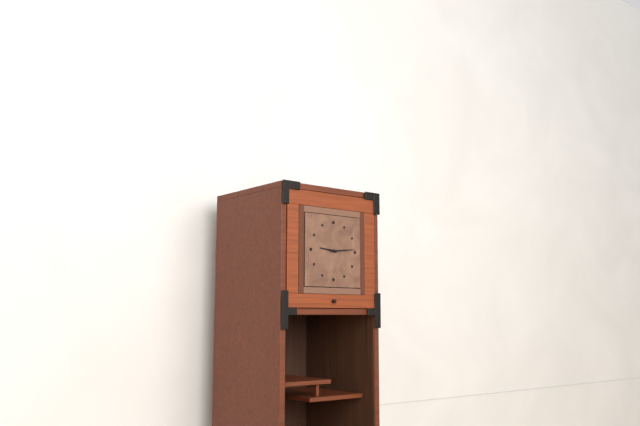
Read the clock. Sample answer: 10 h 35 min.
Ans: 9 h 14 min
